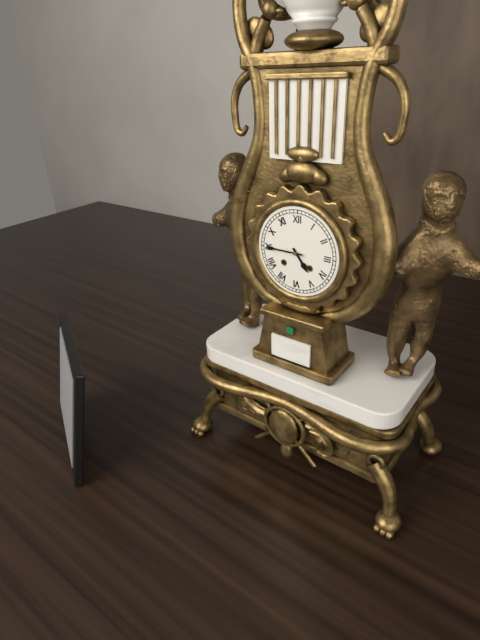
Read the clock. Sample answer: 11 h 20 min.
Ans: 4 h 45 min
